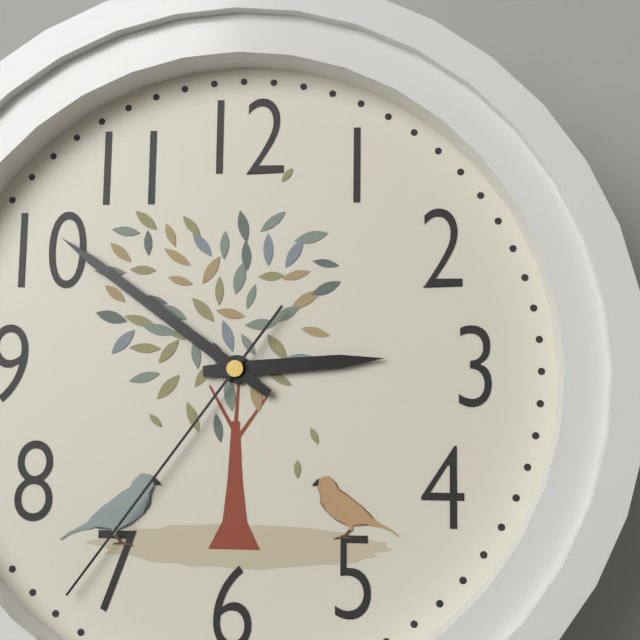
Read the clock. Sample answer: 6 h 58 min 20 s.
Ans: 2 h 51 min 36 s
